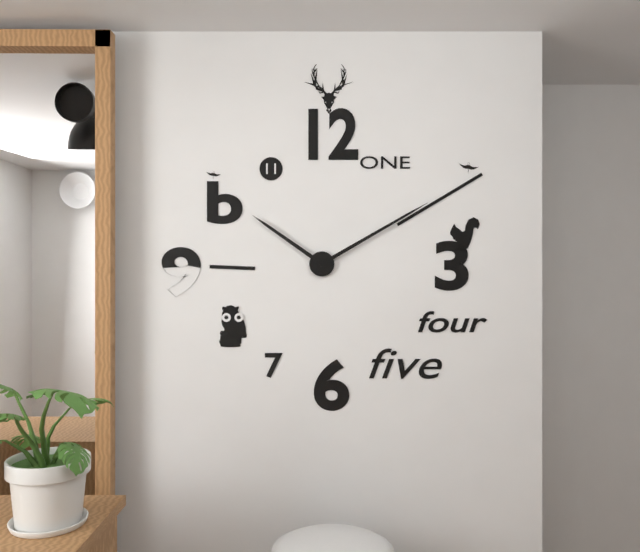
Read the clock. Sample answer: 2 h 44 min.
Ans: 10 h 10 min
